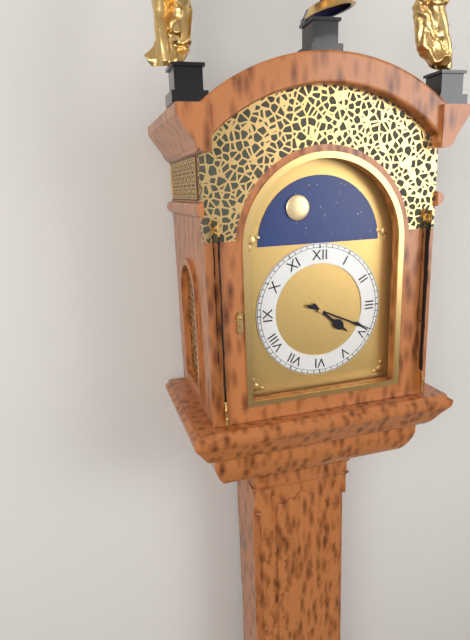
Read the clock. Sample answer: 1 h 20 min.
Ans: 4 h 19 min
